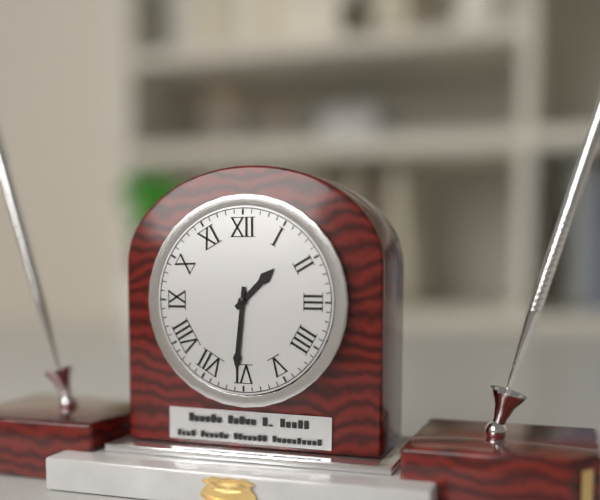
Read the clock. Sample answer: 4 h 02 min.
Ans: 1 h 31 min
